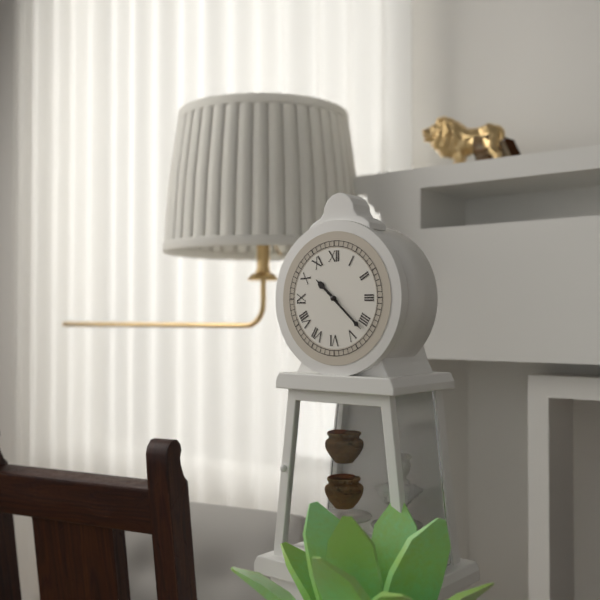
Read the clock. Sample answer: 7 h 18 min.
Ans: 10 h 22 min
